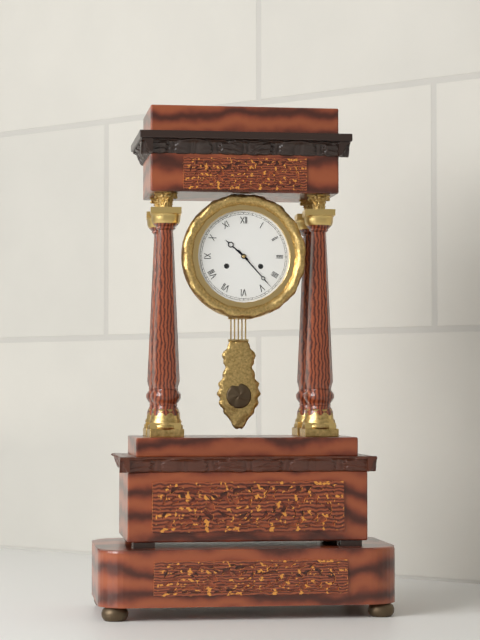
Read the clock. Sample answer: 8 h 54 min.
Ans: 10 h 23 min
